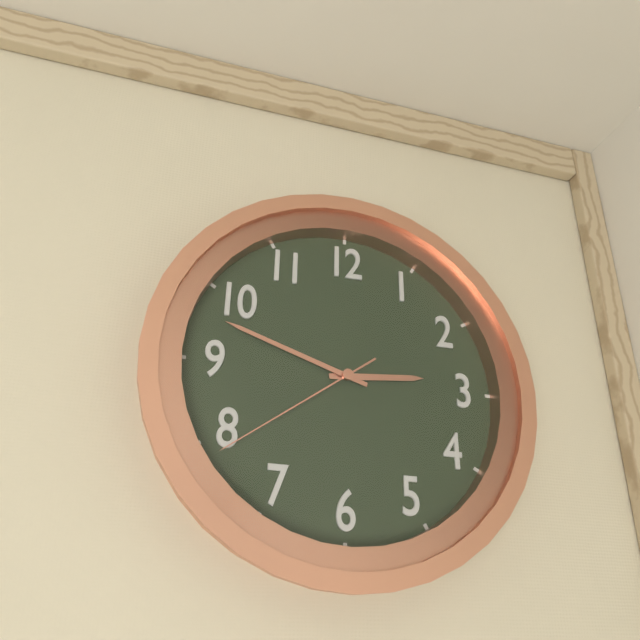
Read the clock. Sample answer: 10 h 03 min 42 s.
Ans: 2 h 48 min 39 s
